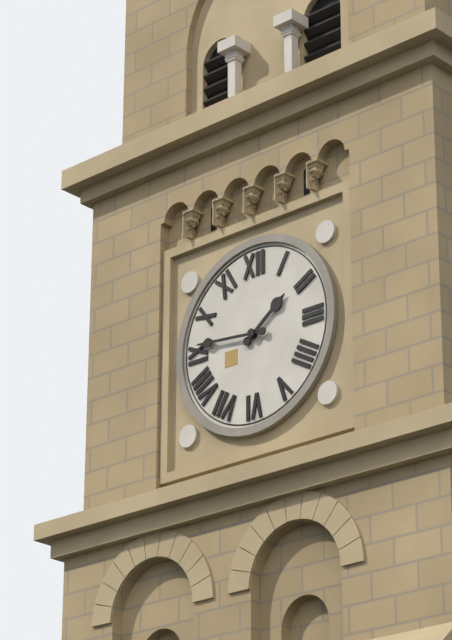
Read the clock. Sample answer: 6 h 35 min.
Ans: 1 h 46 min
